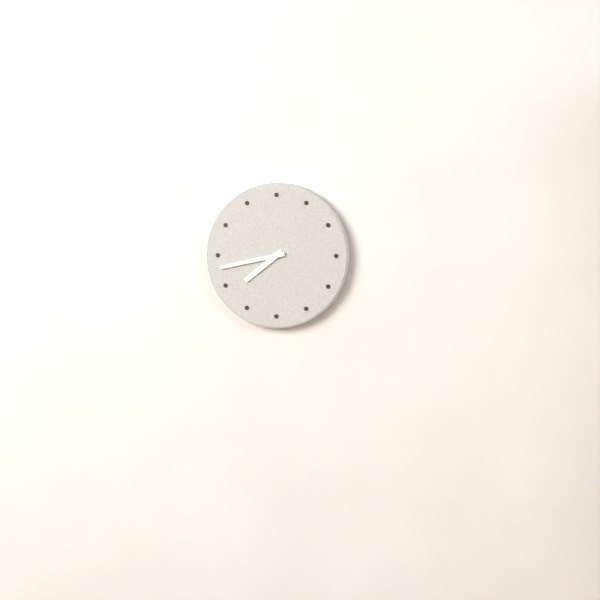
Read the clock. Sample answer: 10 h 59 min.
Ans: 7 h 43 min
